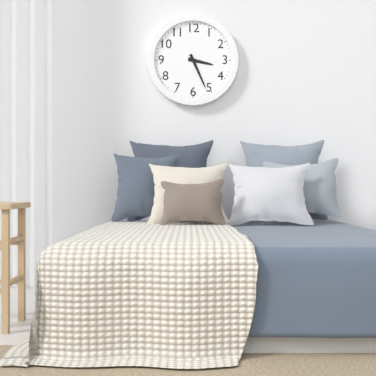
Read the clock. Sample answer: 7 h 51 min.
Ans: 3 h 26 min
